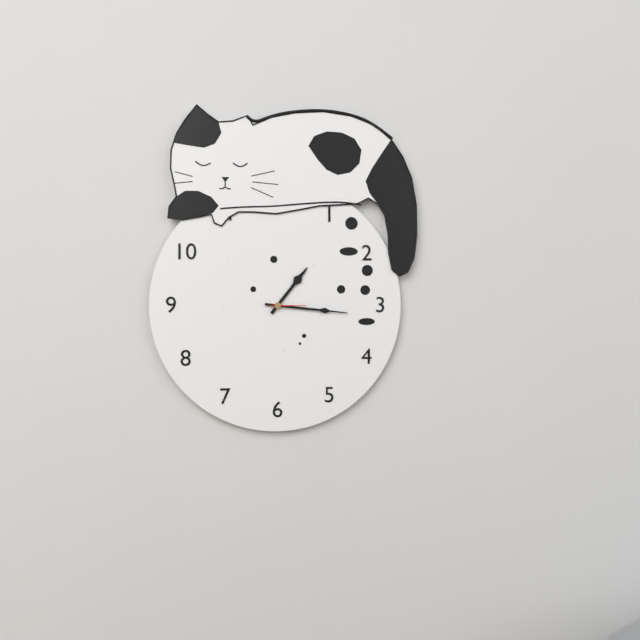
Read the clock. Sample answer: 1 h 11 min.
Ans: 1 h 16 min
